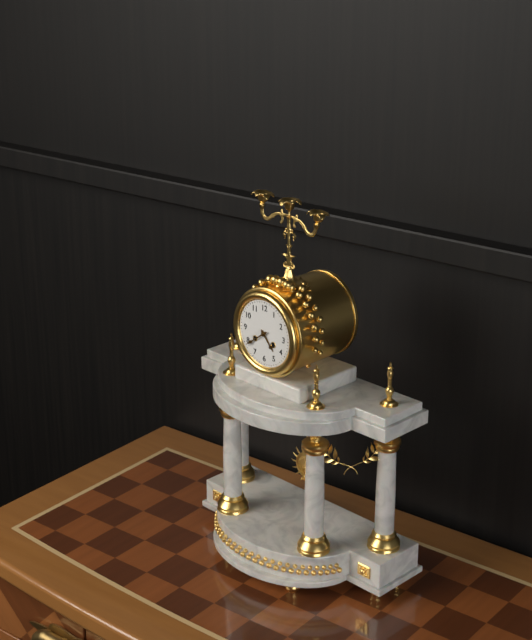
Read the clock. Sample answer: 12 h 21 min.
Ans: 4 h 39 min
